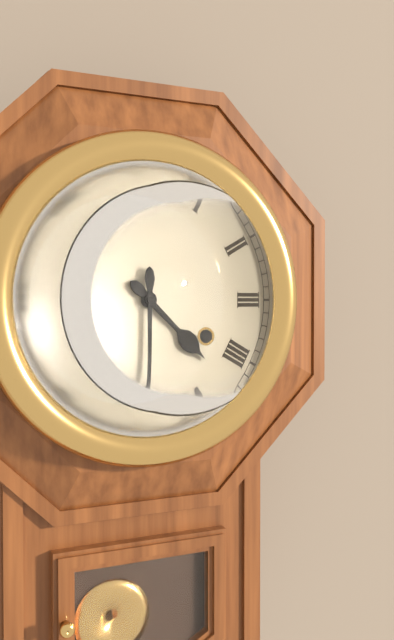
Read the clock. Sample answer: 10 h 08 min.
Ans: 4 h 30 min
